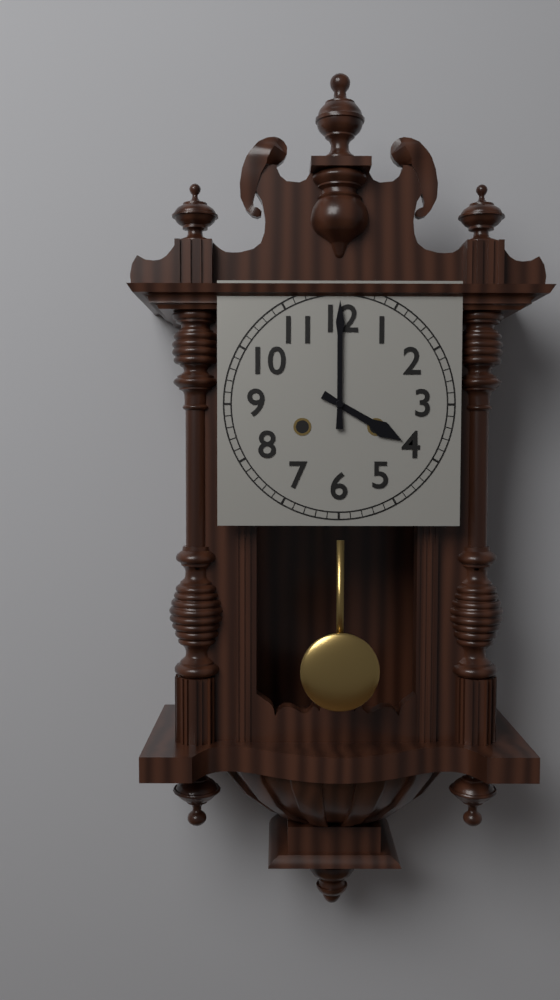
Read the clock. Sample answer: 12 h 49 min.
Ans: 4 h 00 min
